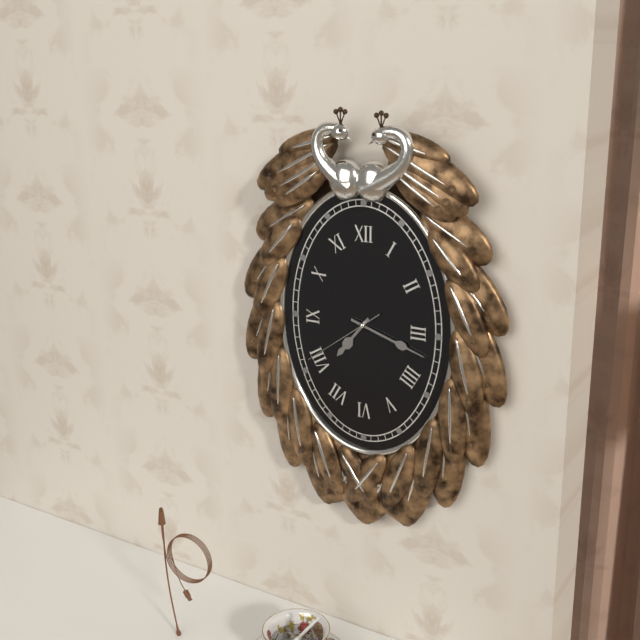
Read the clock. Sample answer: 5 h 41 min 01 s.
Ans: 7 h 18 min 39 s
